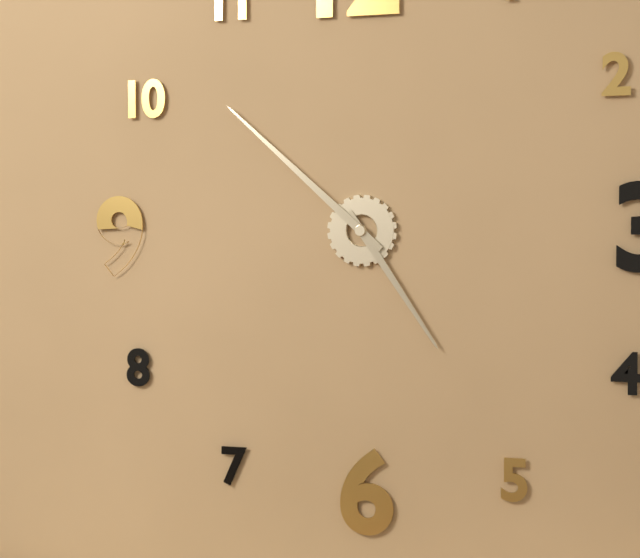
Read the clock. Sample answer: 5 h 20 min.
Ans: 4 h 52 min
